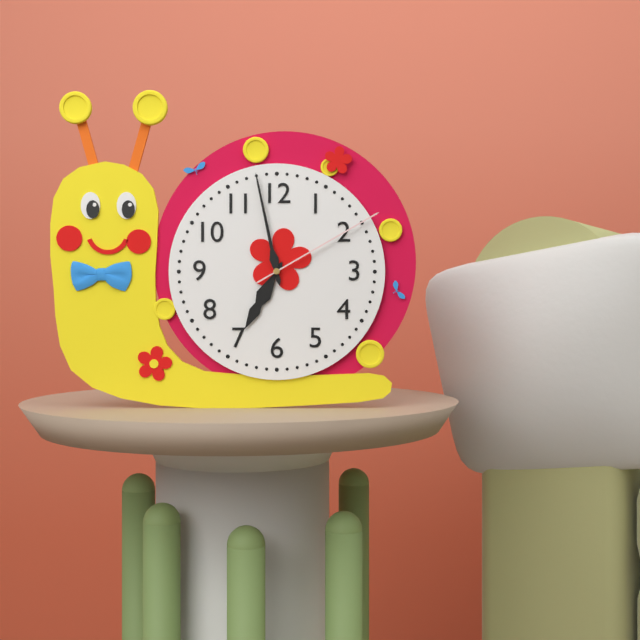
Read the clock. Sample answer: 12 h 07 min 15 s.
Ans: 6 h 58 min 10 s
